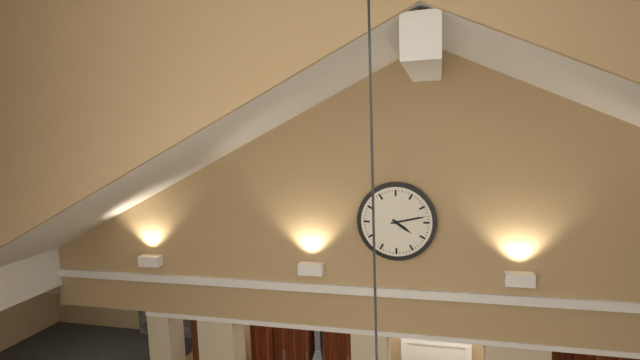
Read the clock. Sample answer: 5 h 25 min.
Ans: 4 h 13 min
